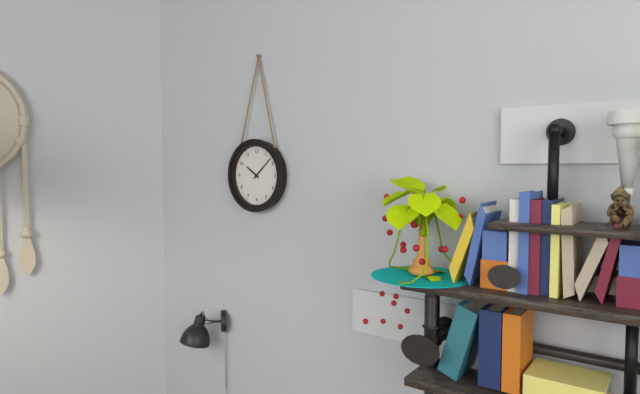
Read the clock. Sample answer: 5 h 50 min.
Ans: 10 h 08 min
